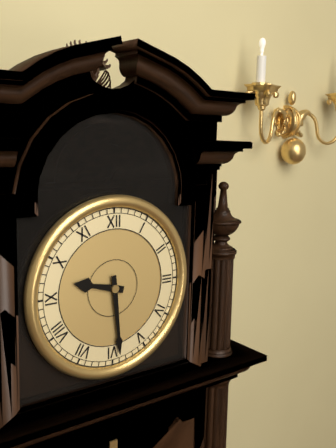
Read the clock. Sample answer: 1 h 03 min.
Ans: 9 h 29 min
